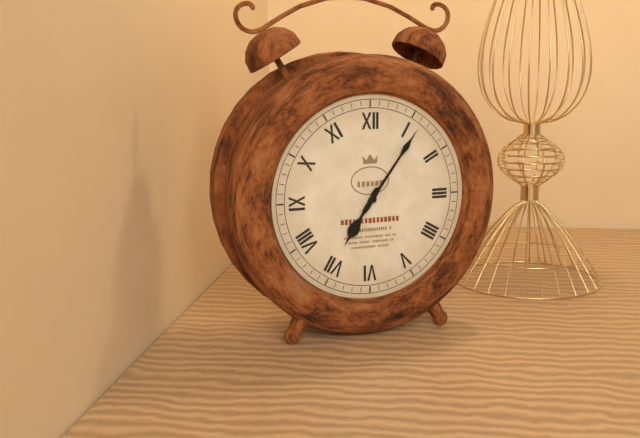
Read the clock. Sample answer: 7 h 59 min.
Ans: 7 h 06 min
